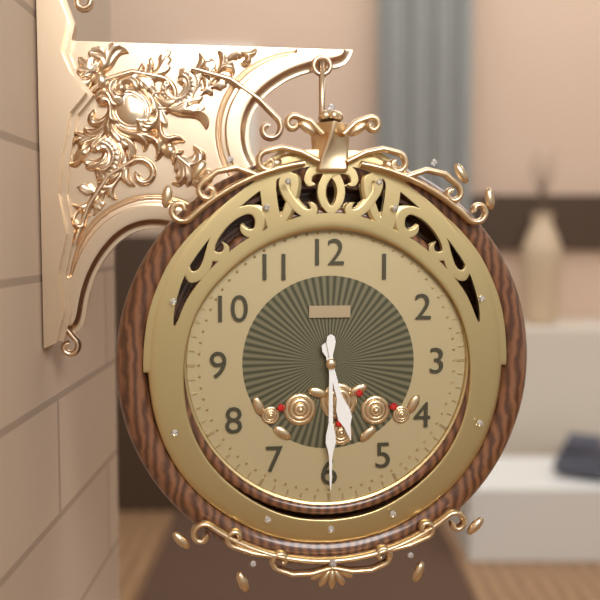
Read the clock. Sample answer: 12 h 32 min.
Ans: 5 h 30 min
